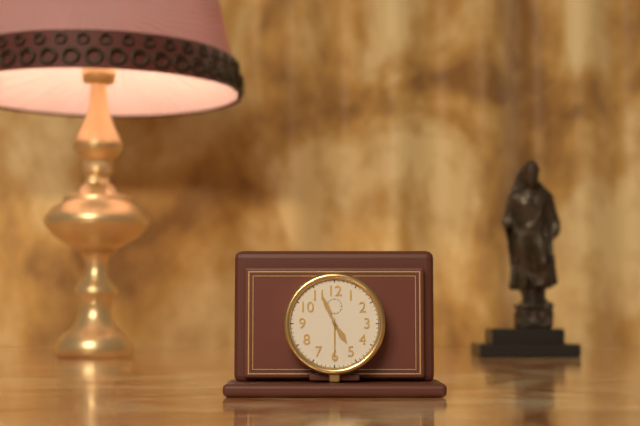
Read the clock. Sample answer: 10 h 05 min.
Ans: 4 h 56 min
